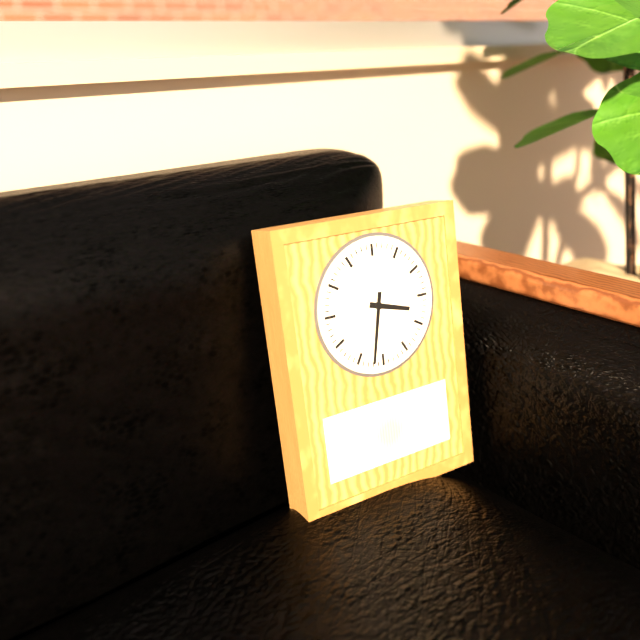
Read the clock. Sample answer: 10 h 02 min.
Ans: 3 h 32 min
